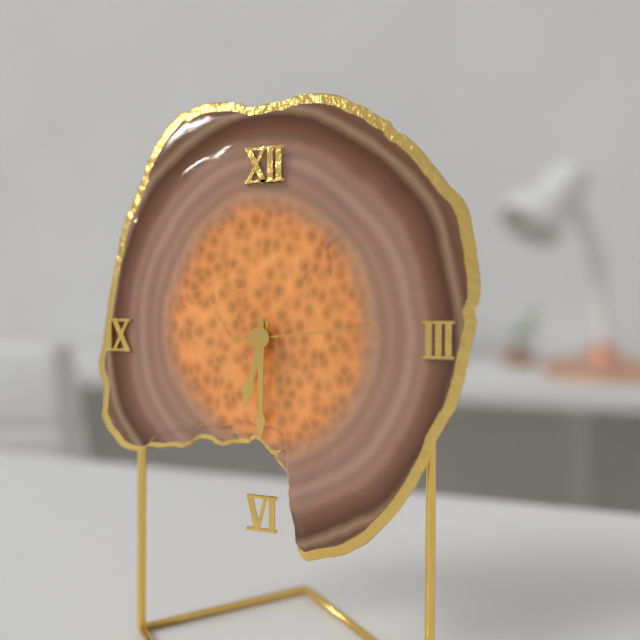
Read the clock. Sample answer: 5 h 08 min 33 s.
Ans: 6 h 30 min 14 s
